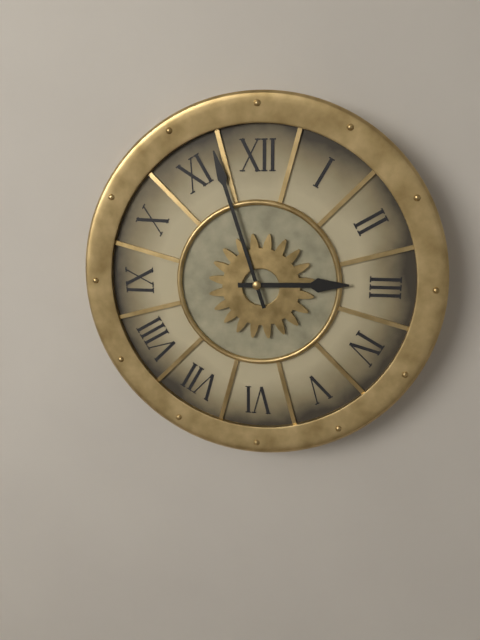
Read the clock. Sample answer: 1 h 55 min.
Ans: 2 h 57 min
